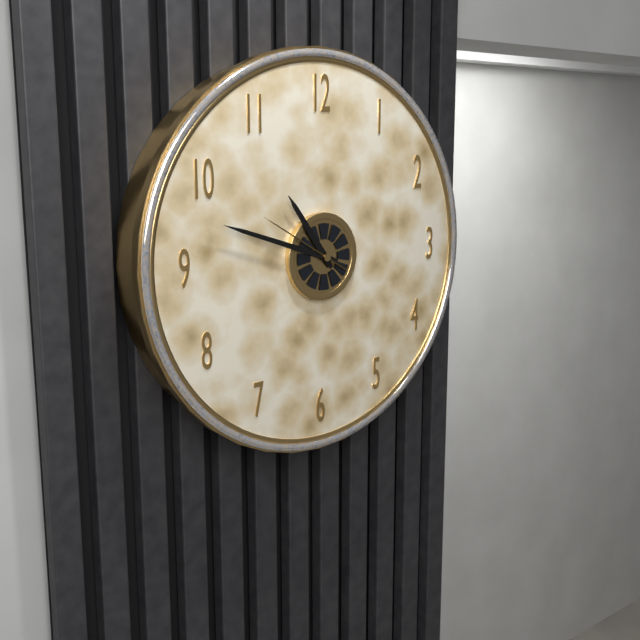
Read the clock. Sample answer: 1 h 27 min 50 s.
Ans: 10 h 48 min 50 s
